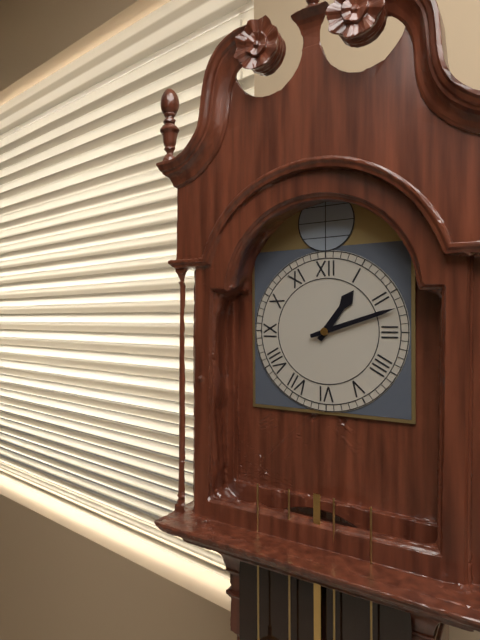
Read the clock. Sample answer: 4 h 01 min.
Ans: 1 h 12 min
